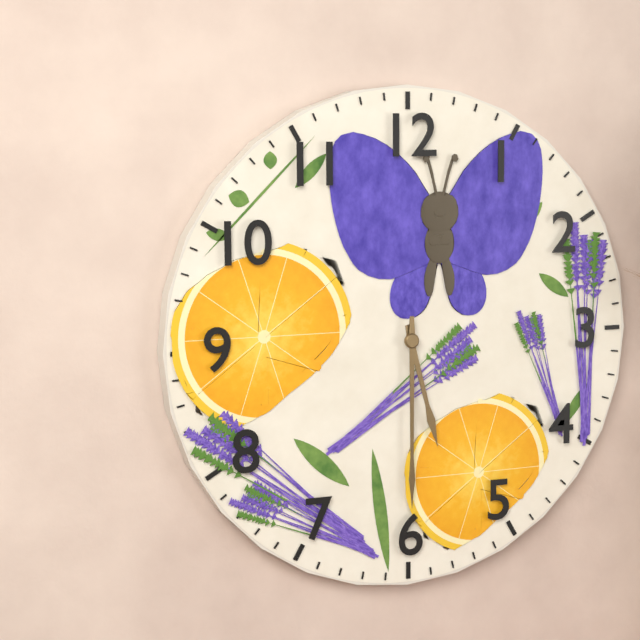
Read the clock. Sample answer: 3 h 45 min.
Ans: 5 h 30 min
